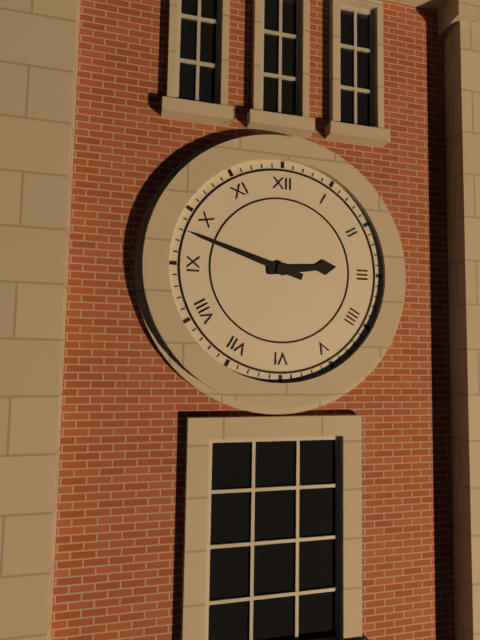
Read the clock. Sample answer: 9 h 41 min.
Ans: 2 h 48 min
